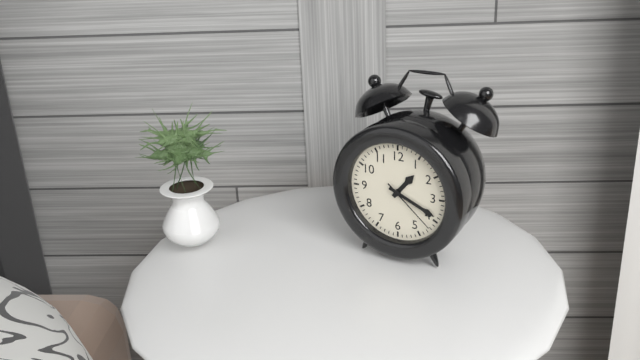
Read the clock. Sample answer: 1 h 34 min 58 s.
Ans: 1 h 19 min 22 s
